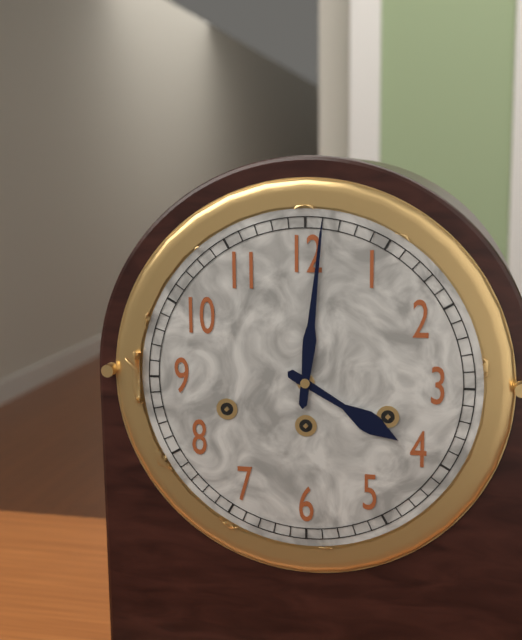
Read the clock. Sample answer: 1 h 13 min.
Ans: 4 h 01 min
